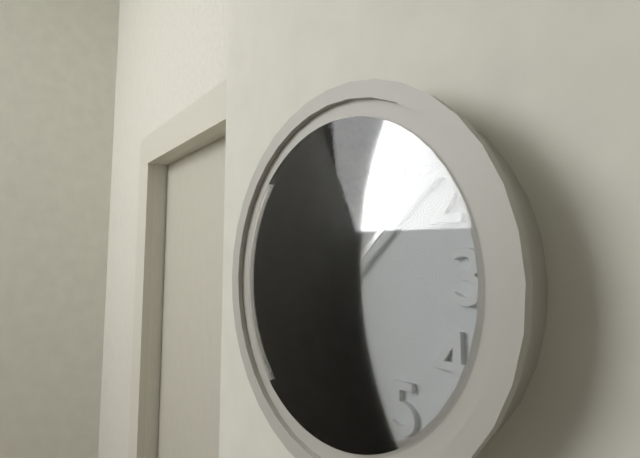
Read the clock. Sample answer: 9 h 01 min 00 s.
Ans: 12 h 08 min 00 s
